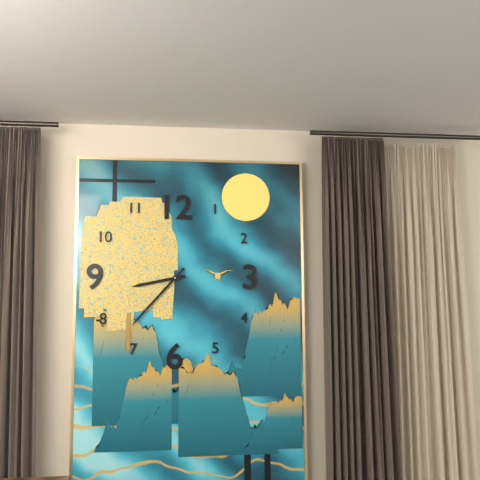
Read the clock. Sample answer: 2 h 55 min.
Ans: 8 h 37 min
